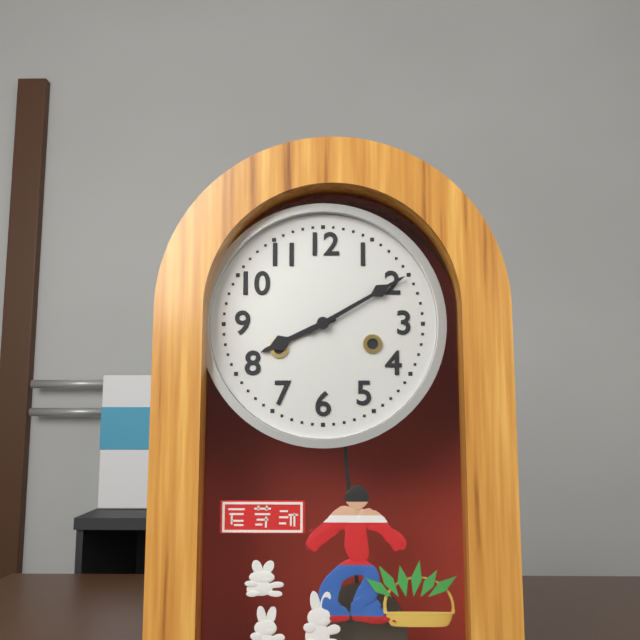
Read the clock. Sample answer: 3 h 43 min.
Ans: 8 h 10 min
